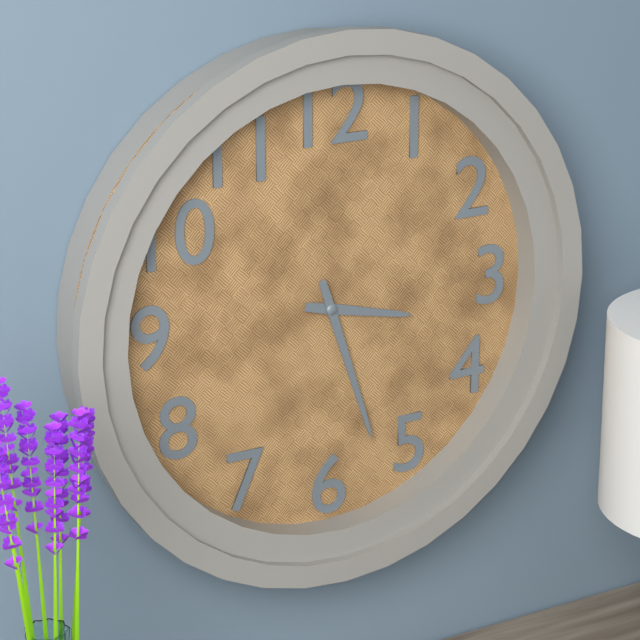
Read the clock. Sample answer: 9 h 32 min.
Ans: 3 h 27 min
